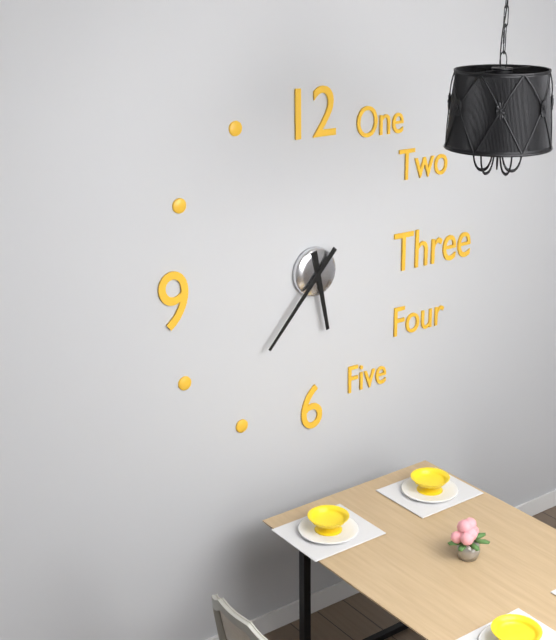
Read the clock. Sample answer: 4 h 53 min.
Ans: 5 h 37 min
